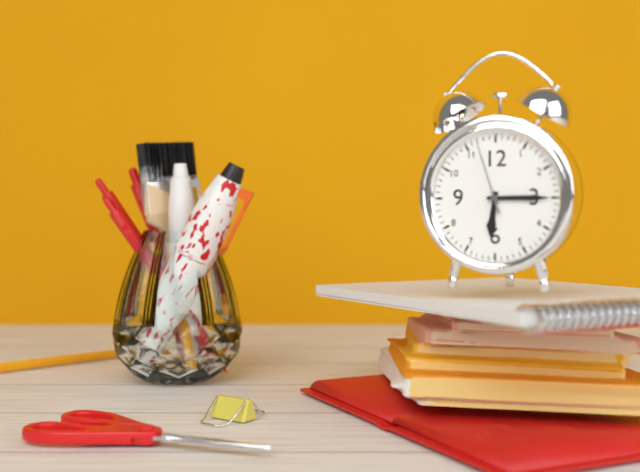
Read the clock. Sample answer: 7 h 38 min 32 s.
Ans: 6 h 15 min 57 s
